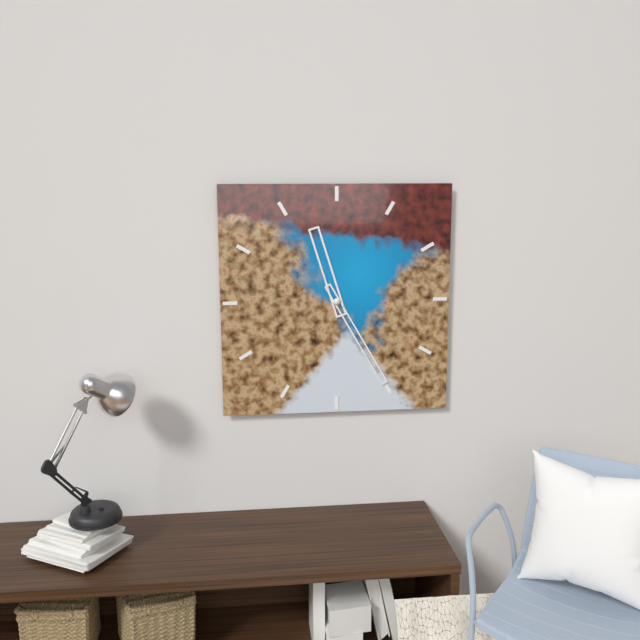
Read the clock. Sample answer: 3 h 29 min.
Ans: 11 h 25 min
